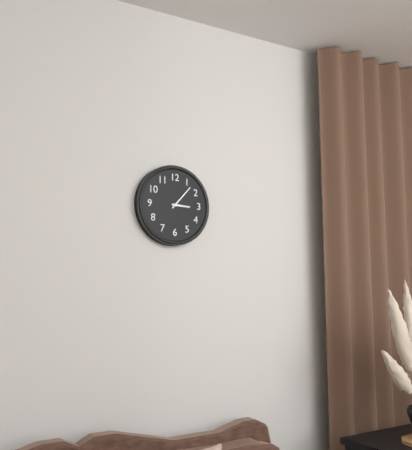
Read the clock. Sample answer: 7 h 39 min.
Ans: 3 h 07 min
